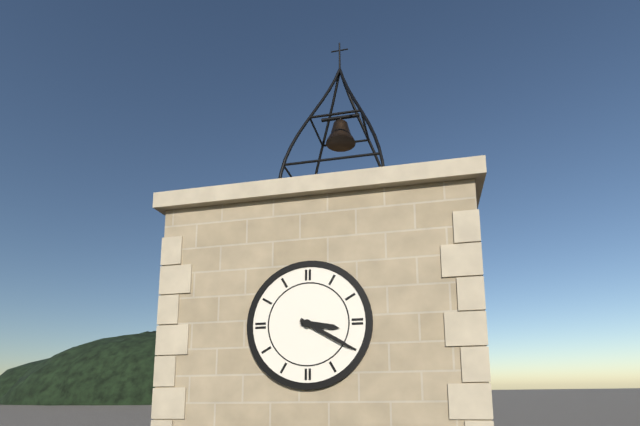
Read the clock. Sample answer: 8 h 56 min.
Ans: 3 h 20 min
